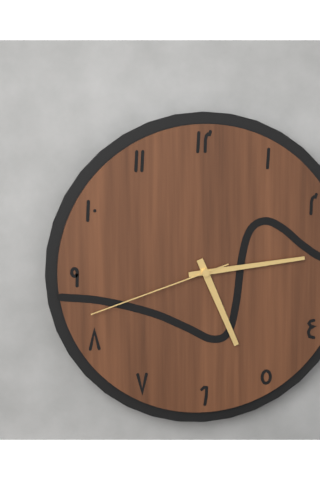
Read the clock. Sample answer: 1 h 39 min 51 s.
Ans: 5 h 14 min 42 s
